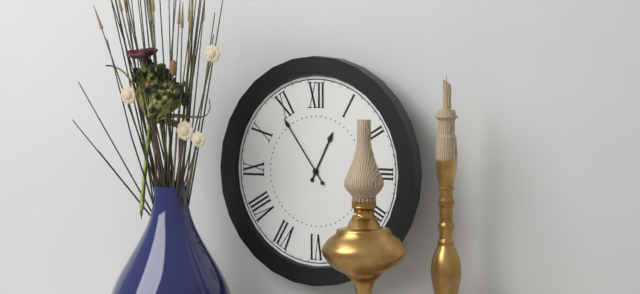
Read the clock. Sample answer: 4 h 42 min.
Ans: 12 h 54 min
